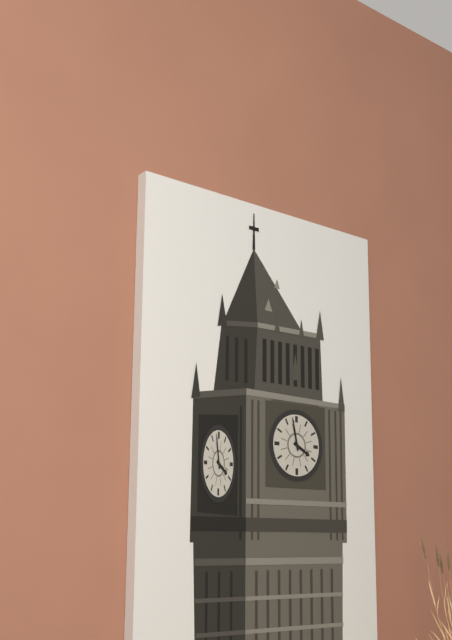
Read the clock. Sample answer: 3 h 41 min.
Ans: 3 h 58 min
